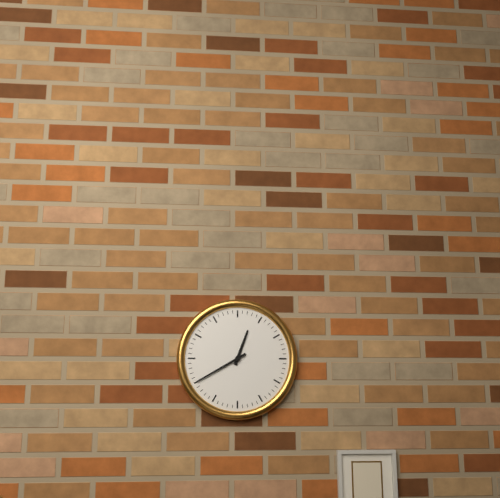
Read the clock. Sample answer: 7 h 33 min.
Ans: 12 h 40 min
